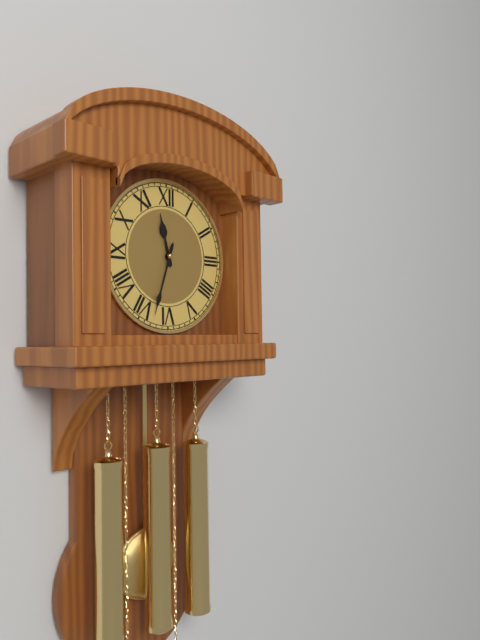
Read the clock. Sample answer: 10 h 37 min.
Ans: 11 h 33 min
